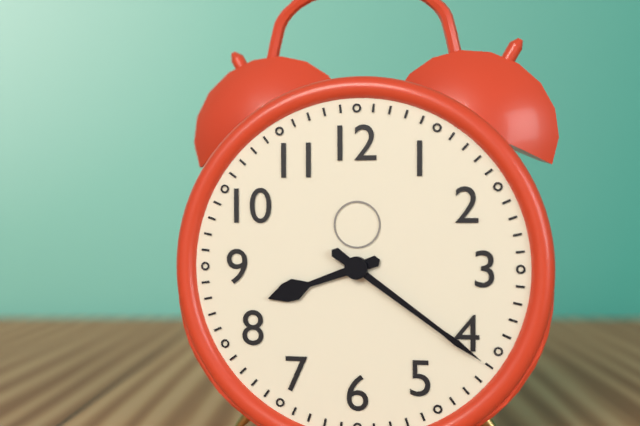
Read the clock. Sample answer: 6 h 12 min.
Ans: 8 h 21 min
